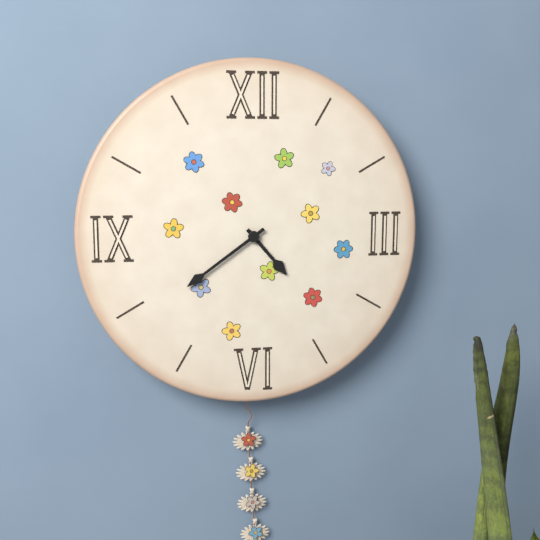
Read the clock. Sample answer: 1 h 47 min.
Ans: 4 h 39 min
